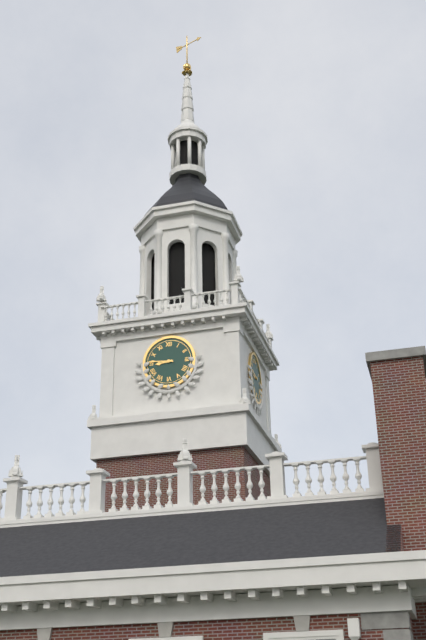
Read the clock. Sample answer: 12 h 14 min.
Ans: 8 h 46 min
